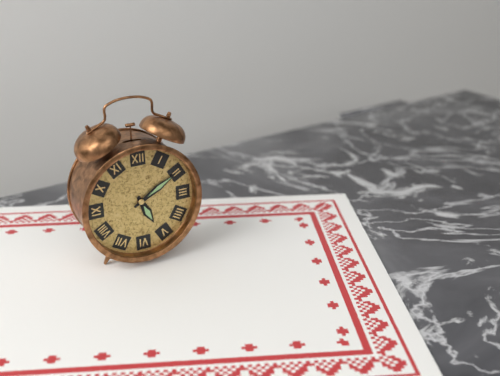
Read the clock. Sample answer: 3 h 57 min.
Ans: 5 h 10 min
